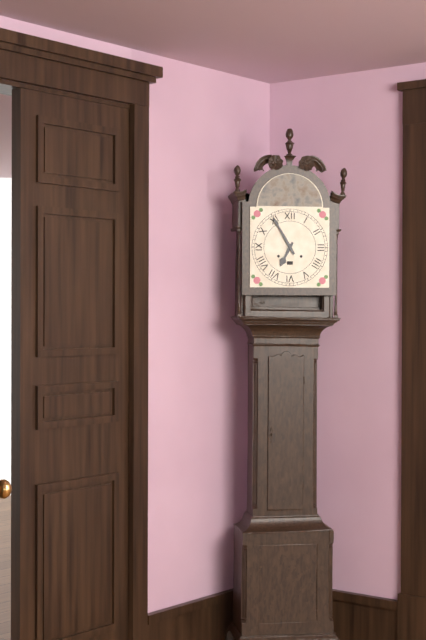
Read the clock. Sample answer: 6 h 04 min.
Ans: 6 h 55 min
